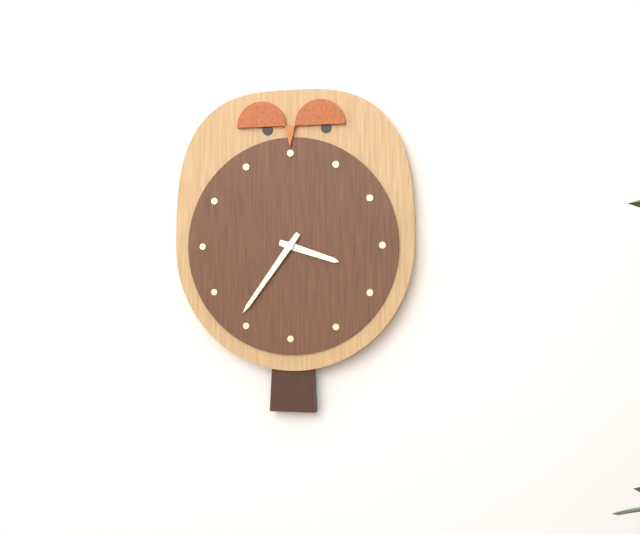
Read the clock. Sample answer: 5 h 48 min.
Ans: 3 h 36 min
